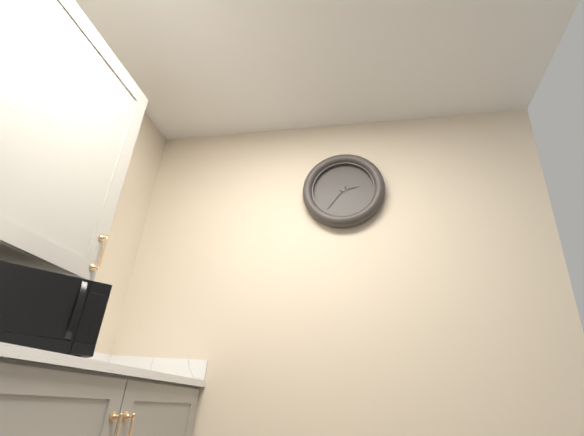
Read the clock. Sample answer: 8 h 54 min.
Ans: 2 h 36 min
